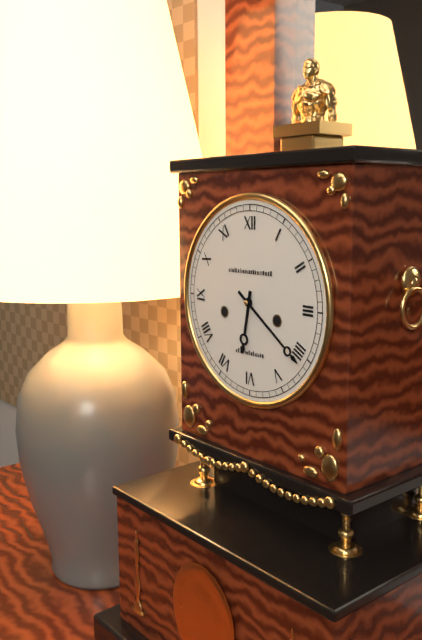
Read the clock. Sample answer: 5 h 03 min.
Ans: 6 h 21 min
